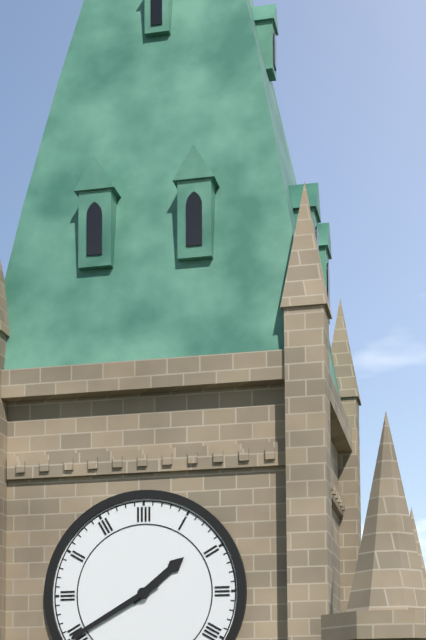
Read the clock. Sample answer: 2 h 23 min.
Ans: 1 h 40 min
